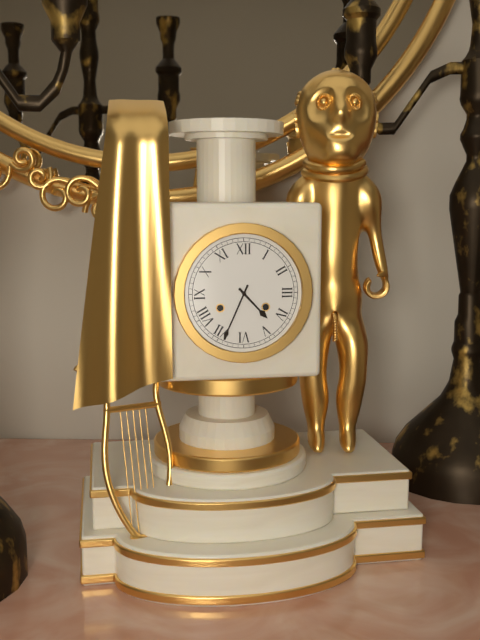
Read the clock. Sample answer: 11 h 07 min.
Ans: 4 h 34 min
